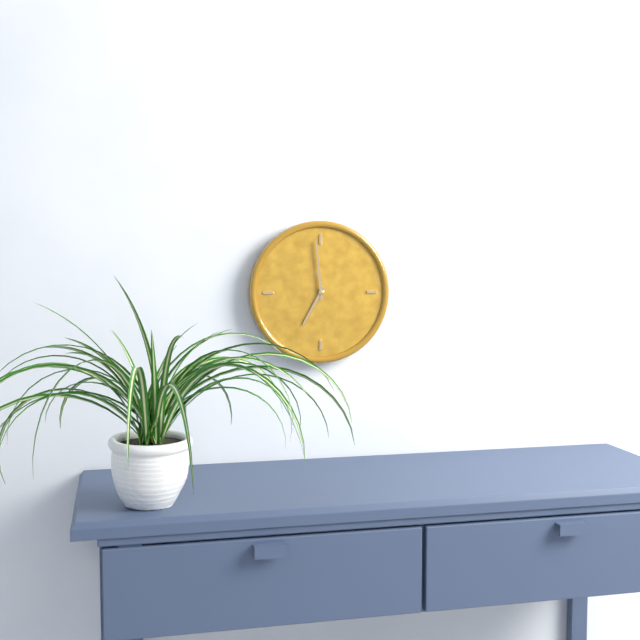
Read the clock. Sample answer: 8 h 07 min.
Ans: 6 h 59 min
